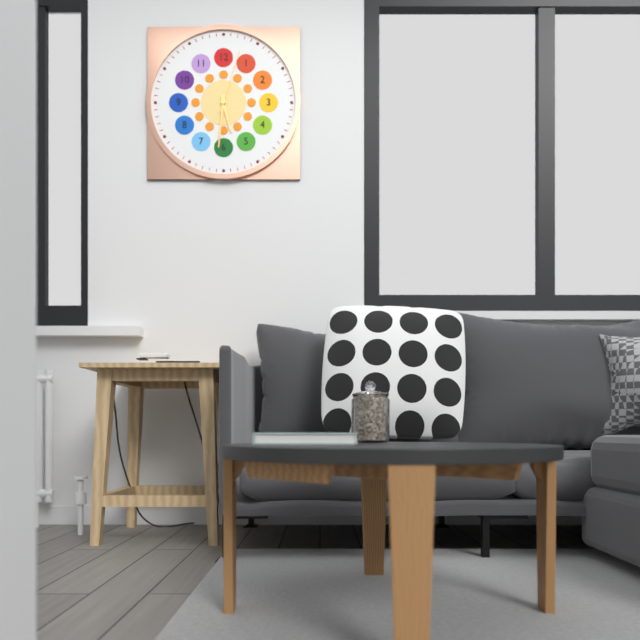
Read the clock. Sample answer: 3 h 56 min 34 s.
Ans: 5 h 31 min 03 s
